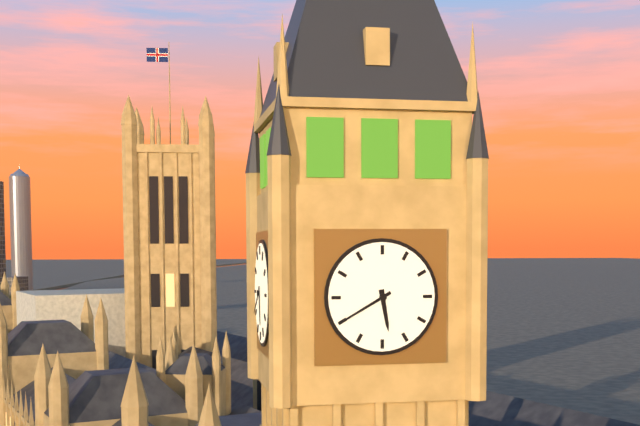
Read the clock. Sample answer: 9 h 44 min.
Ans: 5 h 40 min
